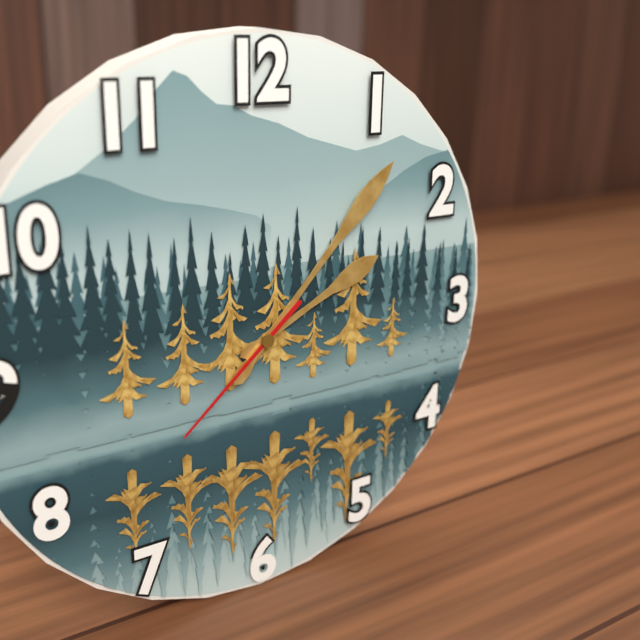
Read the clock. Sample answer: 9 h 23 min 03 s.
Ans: 2 h 07 min 38 s
